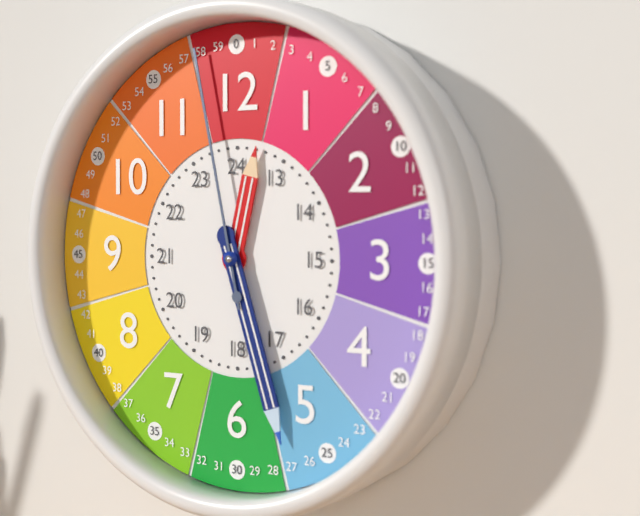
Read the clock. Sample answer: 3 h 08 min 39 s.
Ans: 12 h 27 min 58 s
